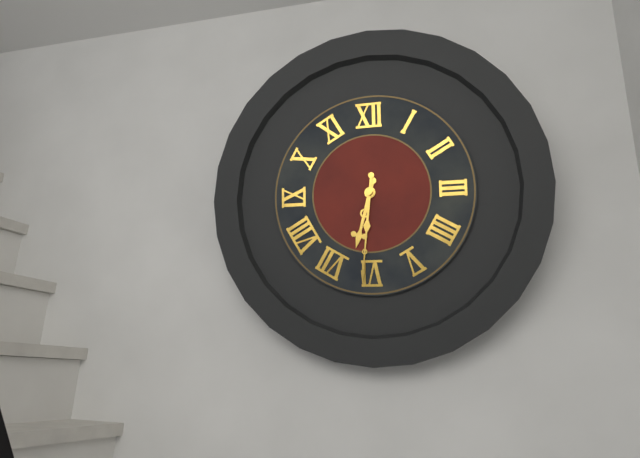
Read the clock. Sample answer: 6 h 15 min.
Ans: 6 h 31 min
